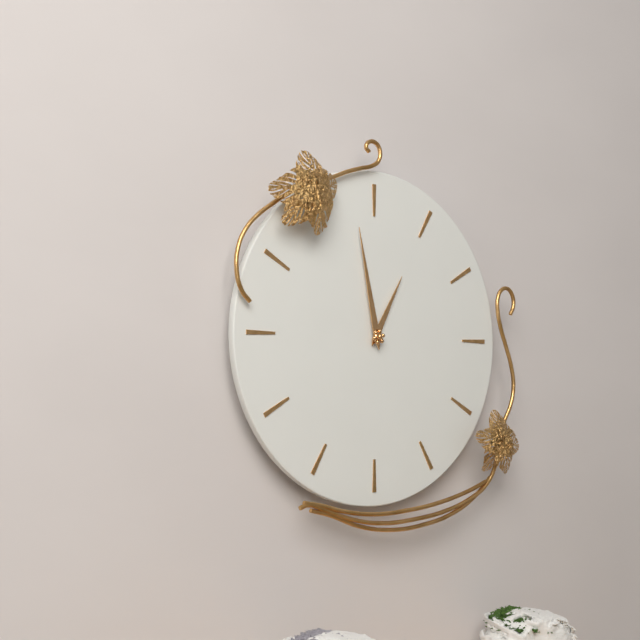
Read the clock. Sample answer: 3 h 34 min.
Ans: 12 h 58 min
